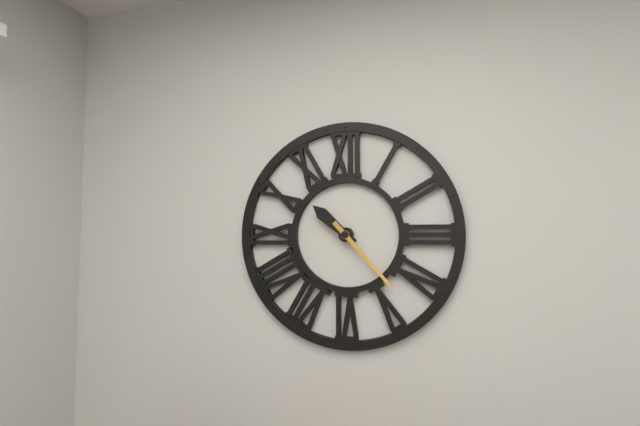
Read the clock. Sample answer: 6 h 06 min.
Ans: 10 h 23 min
